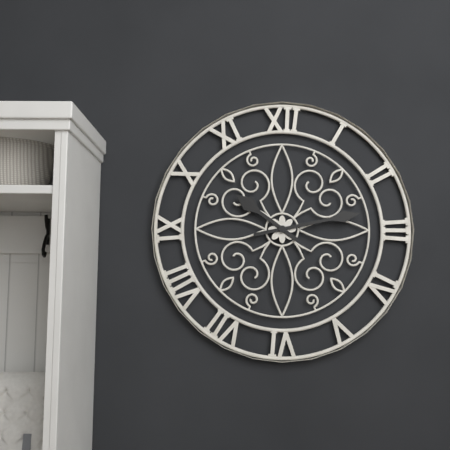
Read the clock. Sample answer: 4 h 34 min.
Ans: 10 h 13 min
